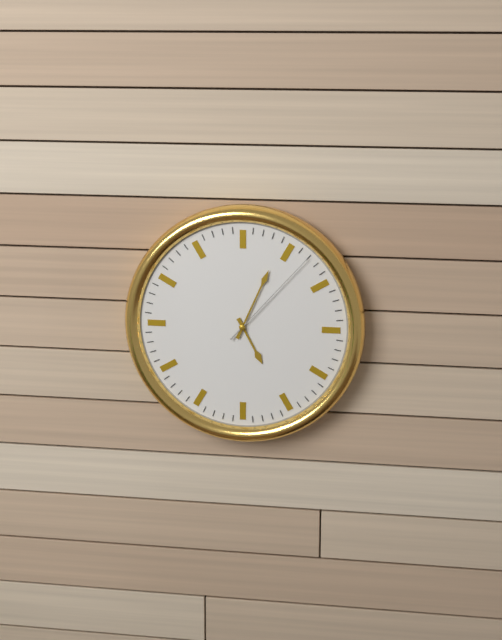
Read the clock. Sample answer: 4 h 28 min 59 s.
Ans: 5 h 04 min 07 s
